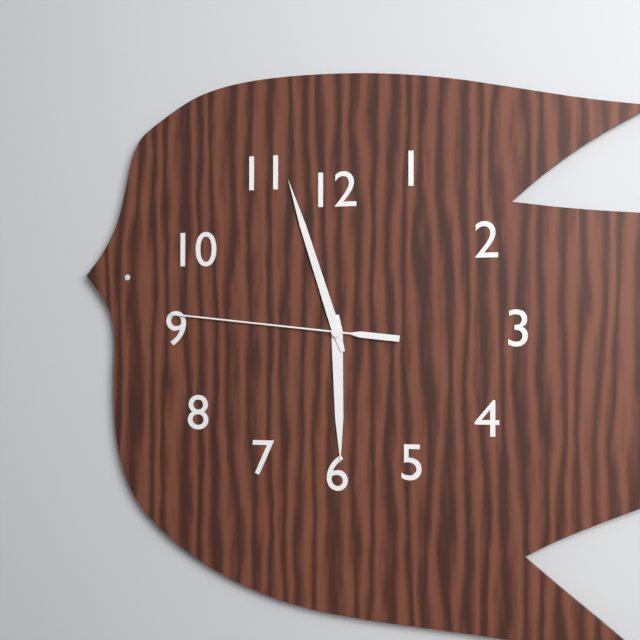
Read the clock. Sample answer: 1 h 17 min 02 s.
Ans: 5 h 57 min 46 s
